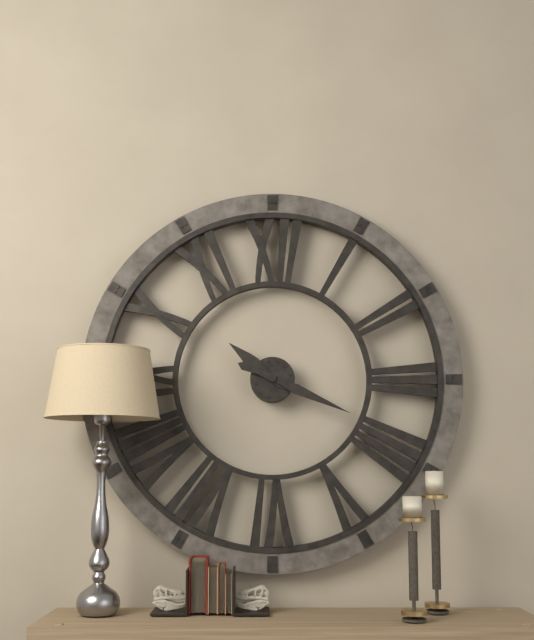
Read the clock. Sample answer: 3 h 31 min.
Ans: 10 h 19 min
